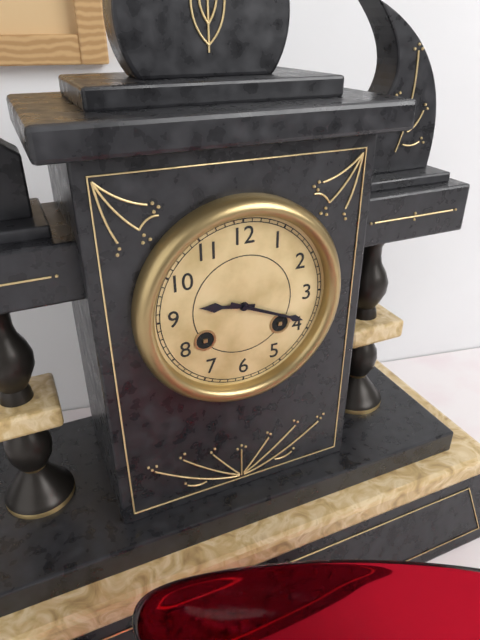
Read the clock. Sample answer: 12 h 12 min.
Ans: 9 h 19 min
